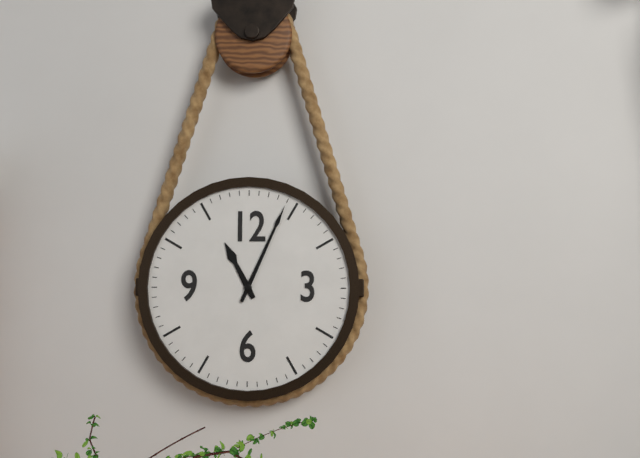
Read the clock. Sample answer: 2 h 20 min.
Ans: 11 h 04 min
